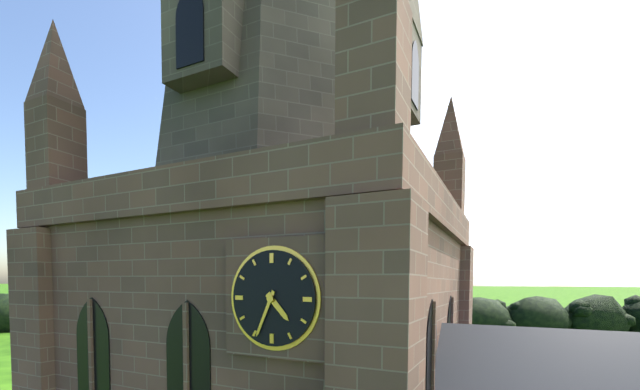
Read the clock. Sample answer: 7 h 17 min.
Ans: 4 h 34 min
